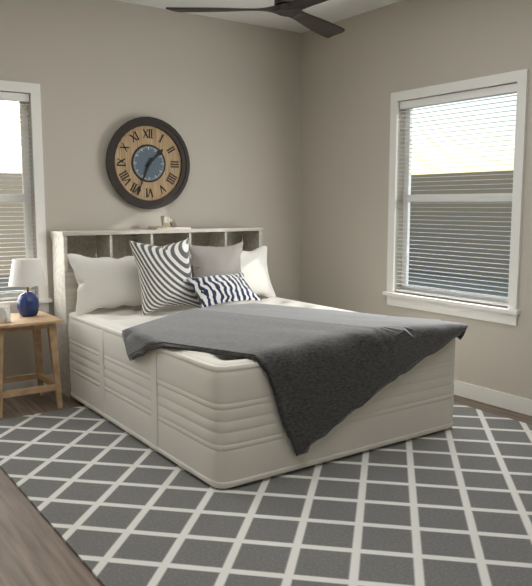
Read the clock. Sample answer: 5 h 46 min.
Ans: 1 h 34 min
